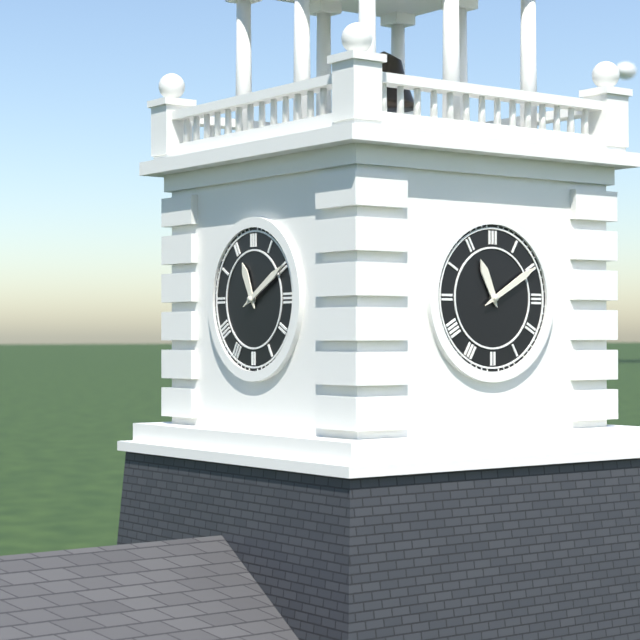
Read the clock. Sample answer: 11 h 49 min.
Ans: 11 h 10 min
